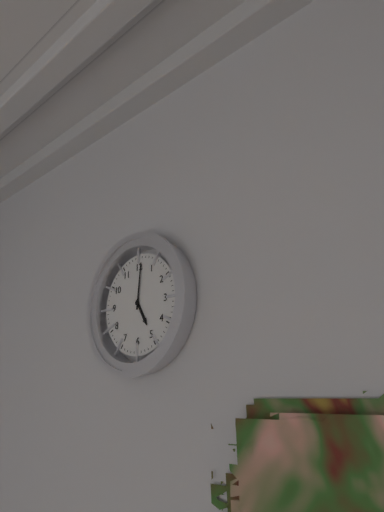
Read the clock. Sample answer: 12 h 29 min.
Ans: 5 h 01 min
